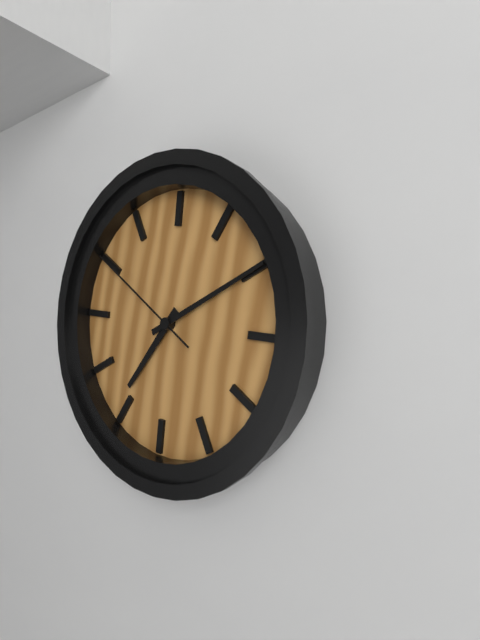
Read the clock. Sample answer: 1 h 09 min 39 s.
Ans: 7 h 10 min 50 s
